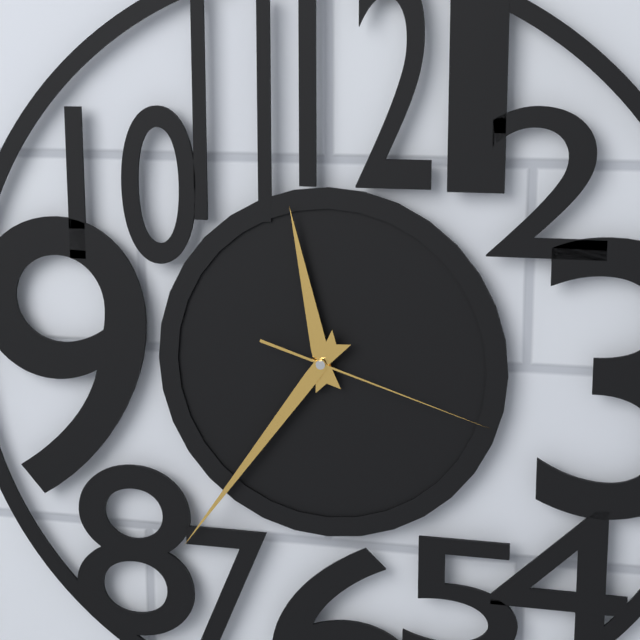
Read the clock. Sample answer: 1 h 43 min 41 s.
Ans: 11 h 36 min 18 s
